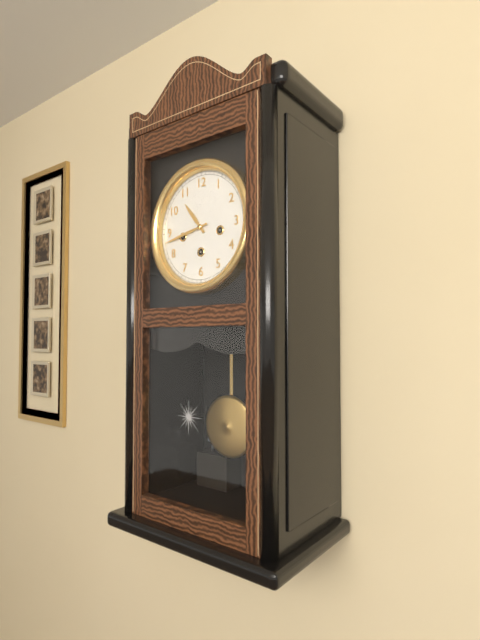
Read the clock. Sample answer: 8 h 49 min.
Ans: 10 h 43 min
